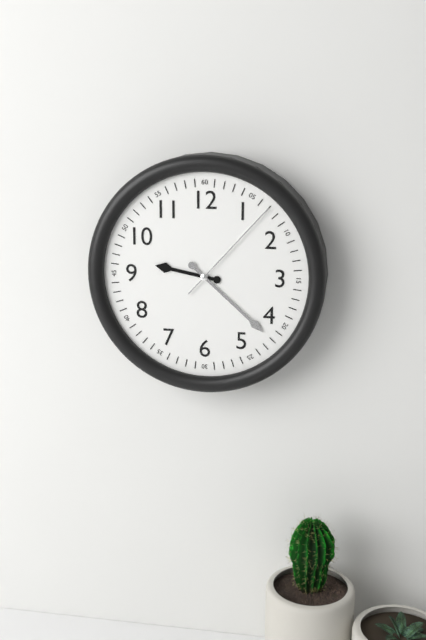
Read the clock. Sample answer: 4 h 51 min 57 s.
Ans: 9 h 22 min 07 s
